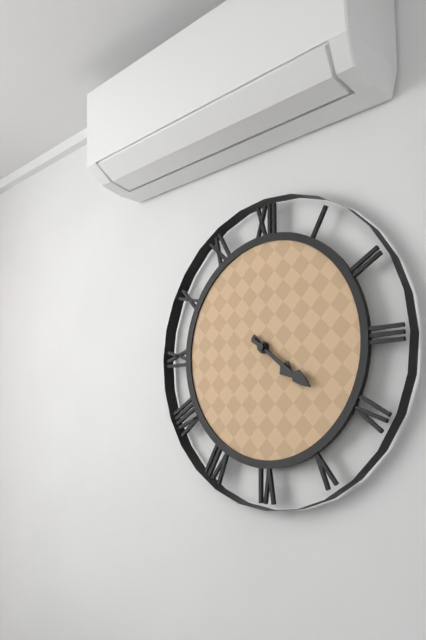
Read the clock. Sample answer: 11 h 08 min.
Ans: 4 h 21 min
